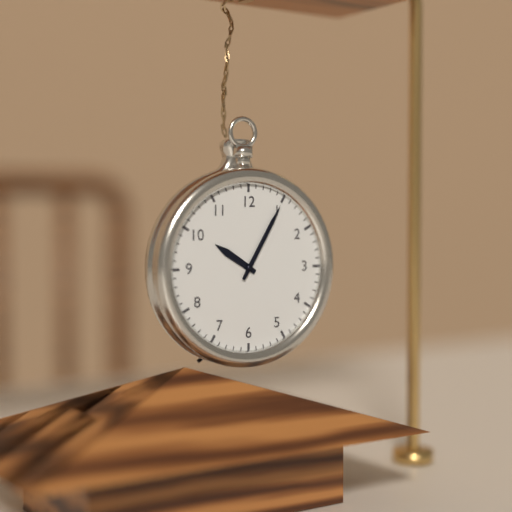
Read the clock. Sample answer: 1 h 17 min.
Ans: 10 h 05 min
